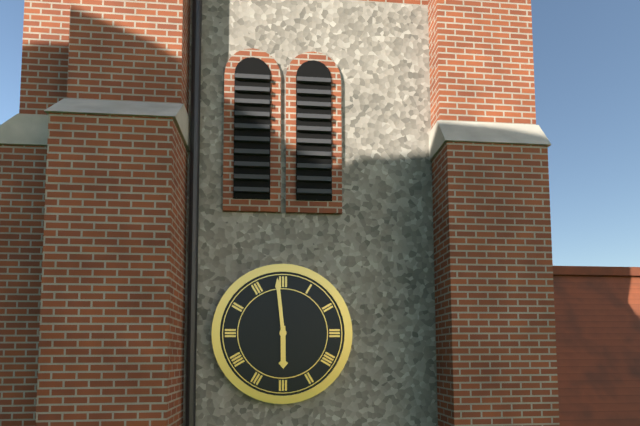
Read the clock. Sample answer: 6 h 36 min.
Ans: 5 h 59 min
